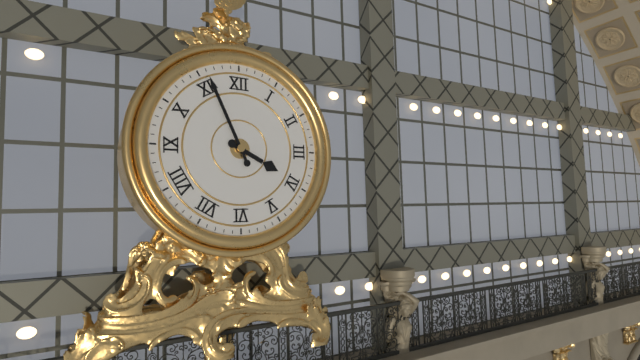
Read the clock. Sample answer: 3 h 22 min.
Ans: 3 h 56 min
